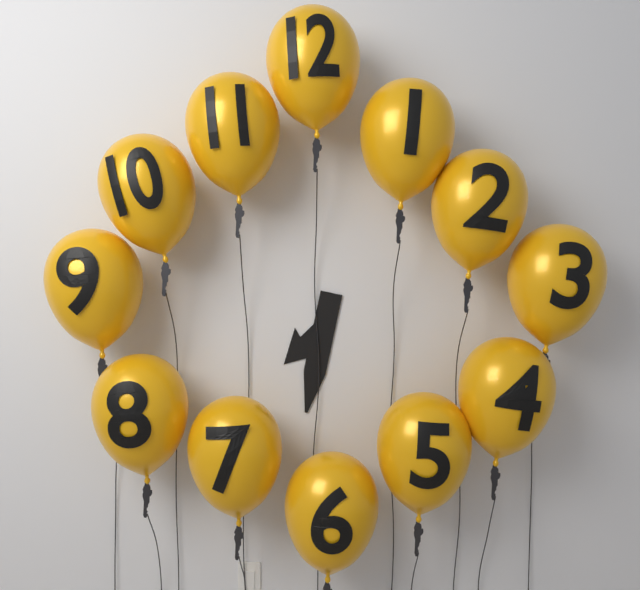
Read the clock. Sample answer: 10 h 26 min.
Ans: 7 h 32 min
